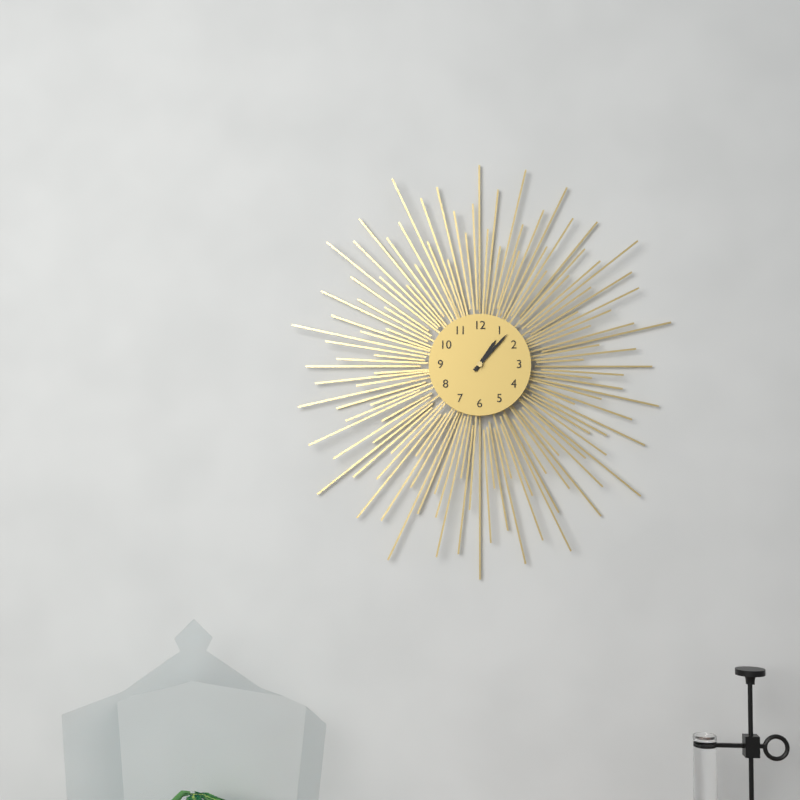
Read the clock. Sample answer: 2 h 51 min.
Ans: 1 h 07 min
